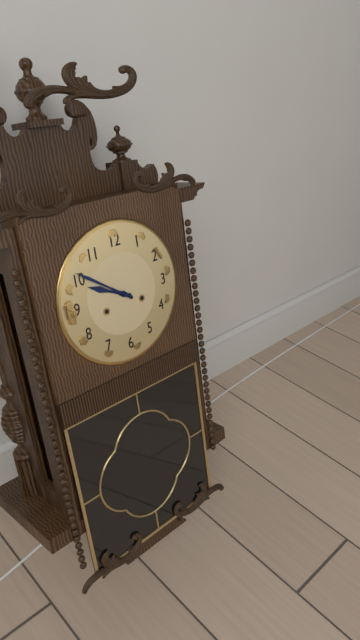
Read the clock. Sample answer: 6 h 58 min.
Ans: 9 h 51 min
